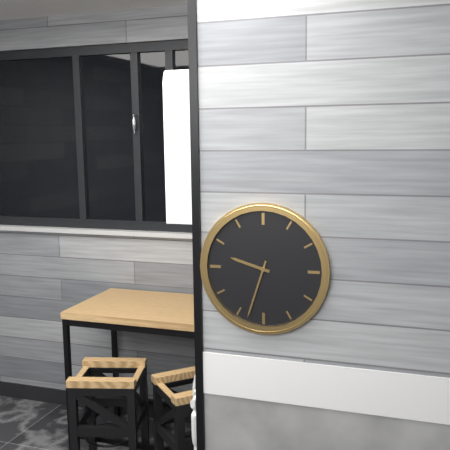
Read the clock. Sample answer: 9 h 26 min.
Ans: 9 h 33 min
